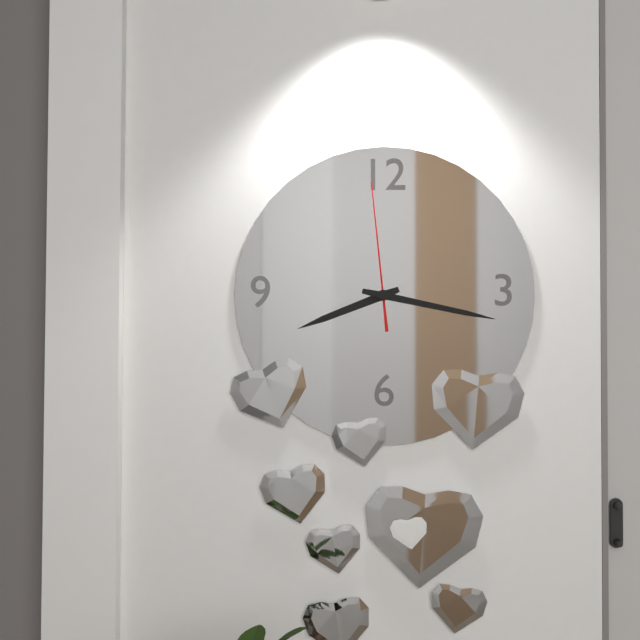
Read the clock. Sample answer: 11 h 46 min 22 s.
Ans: 8 h 17 min 59 s
